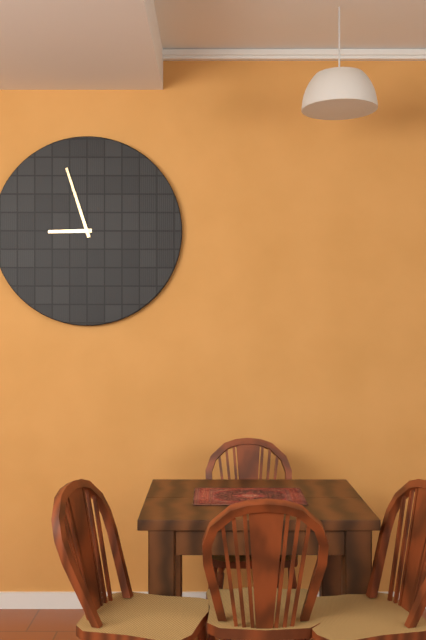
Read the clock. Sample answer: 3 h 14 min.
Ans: 8 h 57 min
